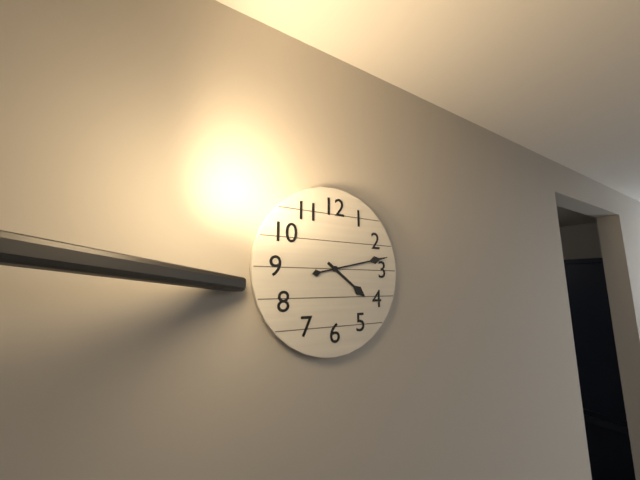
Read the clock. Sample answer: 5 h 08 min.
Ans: 4 h 13 min
